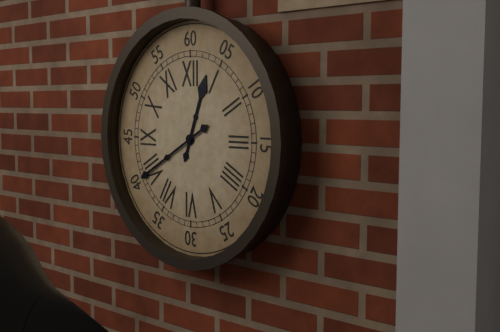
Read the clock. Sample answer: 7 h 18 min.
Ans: 12 h 40 min
